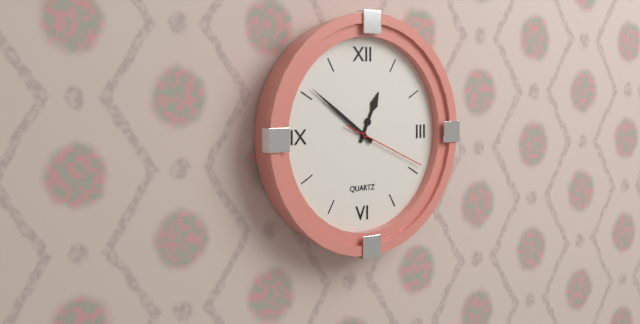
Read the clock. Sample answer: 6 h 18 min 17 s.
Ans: 12 h 51 min 19 s
